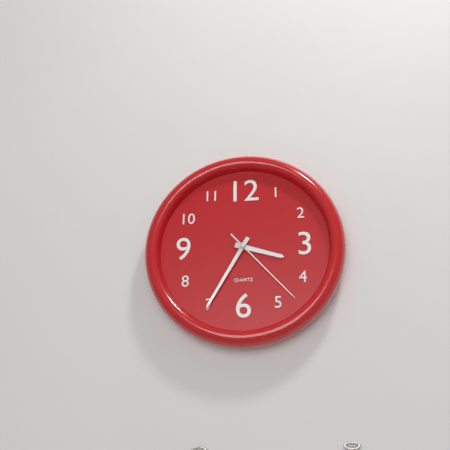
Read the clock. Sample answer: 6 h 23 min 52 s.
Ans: 3 h 35 min 23 s
